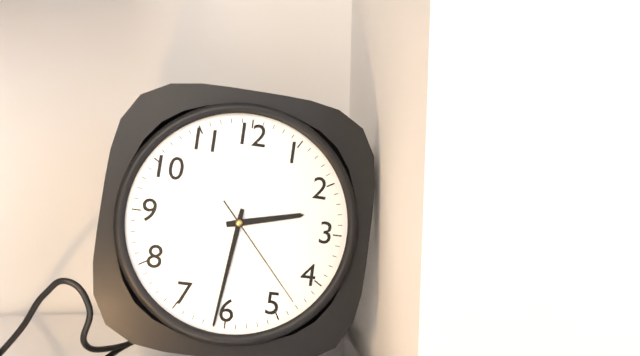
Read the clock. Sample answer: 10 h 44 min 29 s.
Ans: 2 h 31 min 23 s
